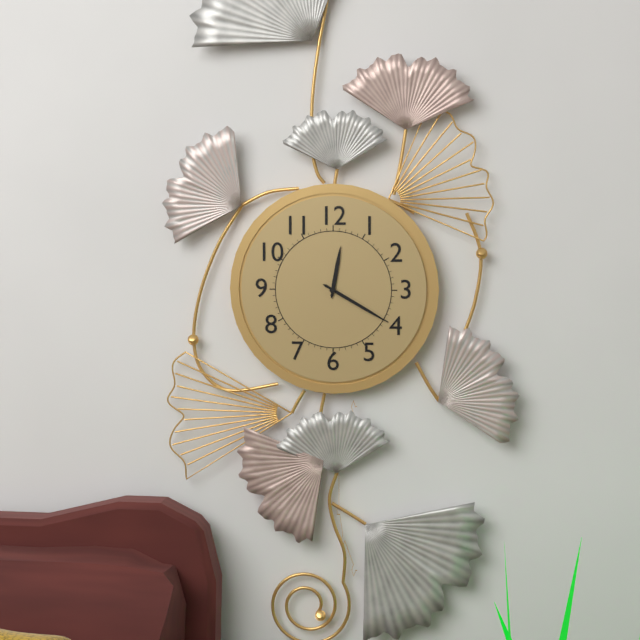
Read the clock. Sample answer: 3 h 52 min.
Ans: 12 h 20 min
